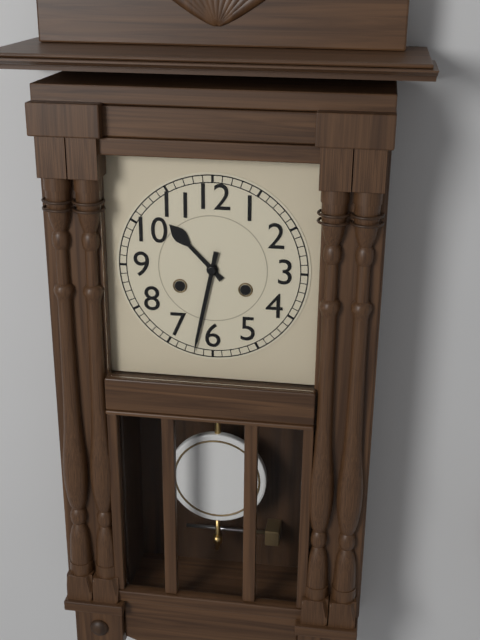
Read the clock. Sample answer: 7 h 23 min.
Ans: 10 h 32 min
